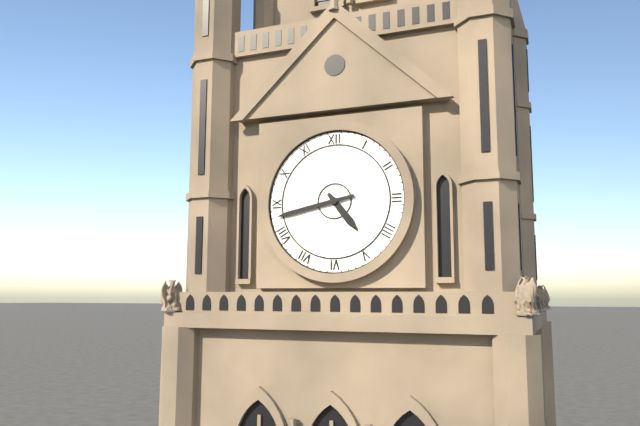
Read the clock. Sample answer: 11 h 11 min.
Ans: 4 h 43 min
